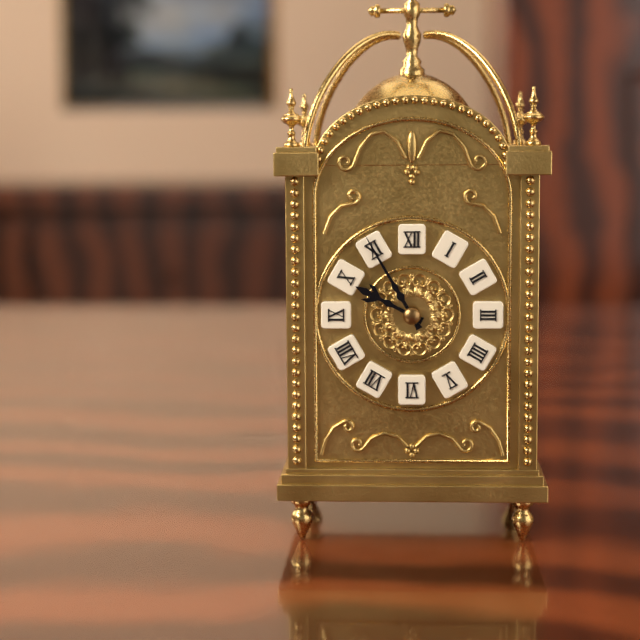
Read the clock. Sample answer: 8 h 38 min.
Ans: 9 h 55 min
